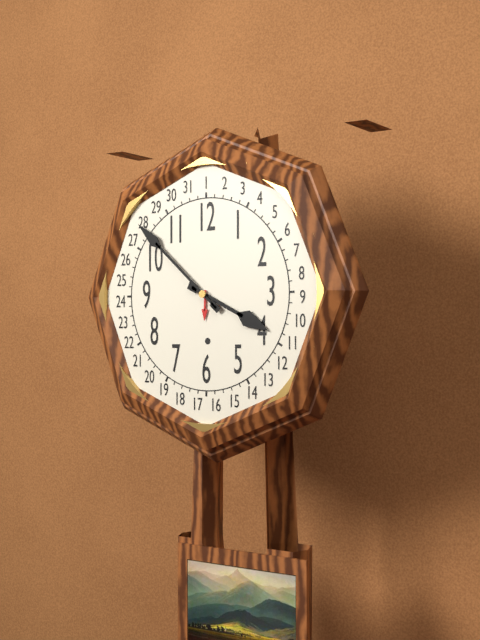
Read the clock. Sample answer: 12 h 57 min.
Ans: 3 h 52 min
